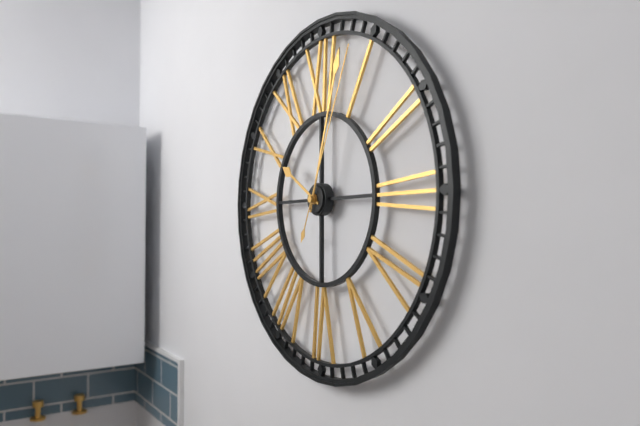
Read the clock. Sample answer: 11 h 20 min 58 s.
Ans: 10 h 03 min 04 s
